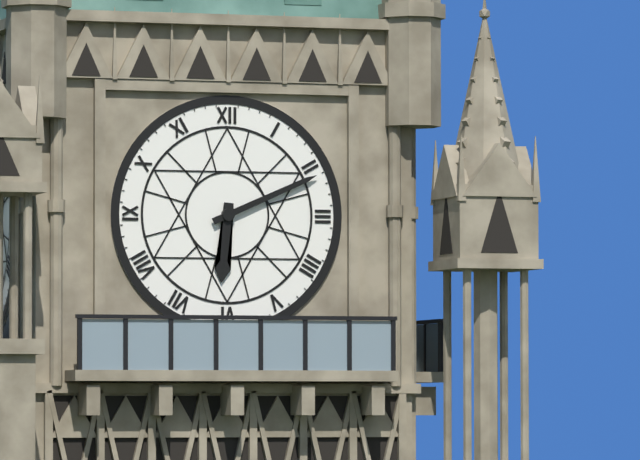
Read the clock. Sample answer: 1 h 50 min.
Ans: 6 h 11 min
